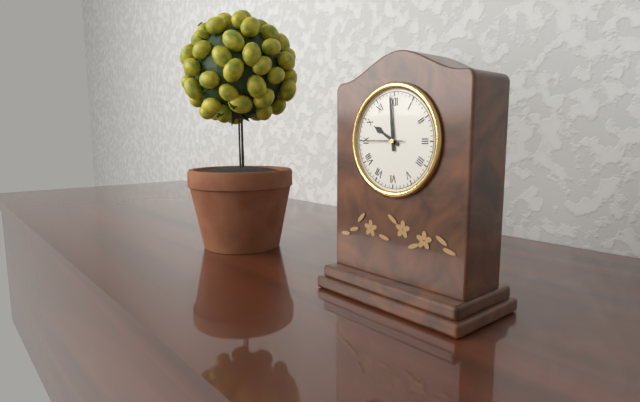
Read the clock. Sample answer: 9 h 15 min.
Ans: 9 h 59 min
